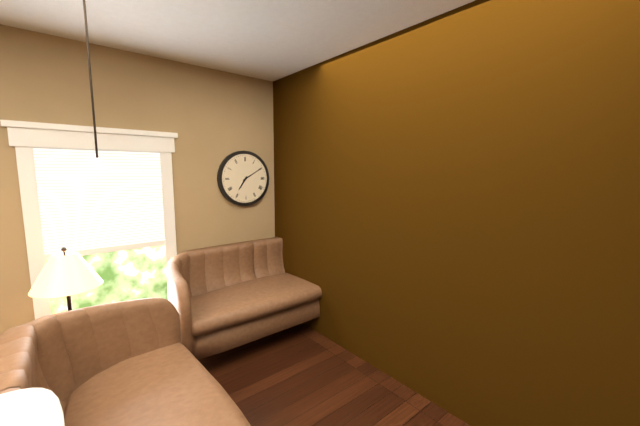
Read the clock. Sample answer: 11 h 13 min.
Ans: 7 h 10 min
